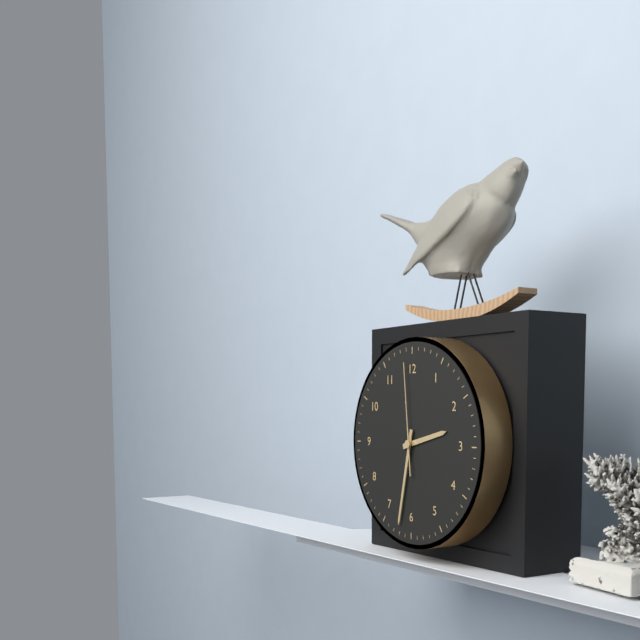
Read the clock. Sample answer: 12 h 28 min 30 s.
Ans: 2 h 32 min 59 s
